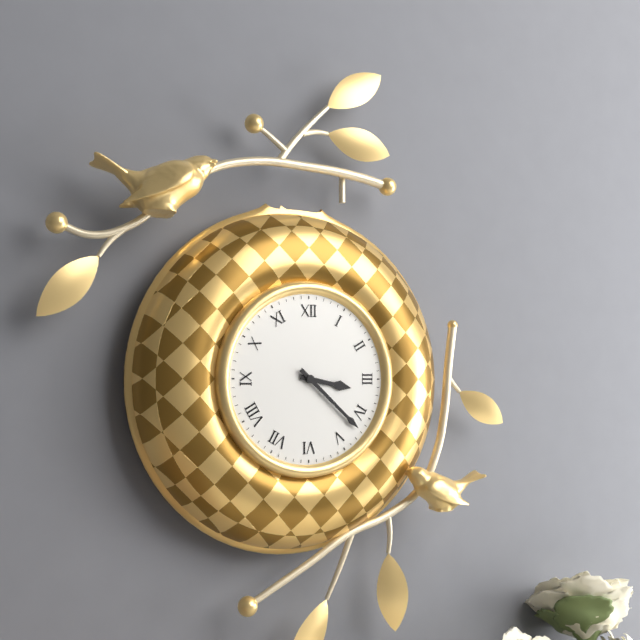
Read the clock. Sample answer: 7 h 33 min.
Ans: 3 h 22 min
